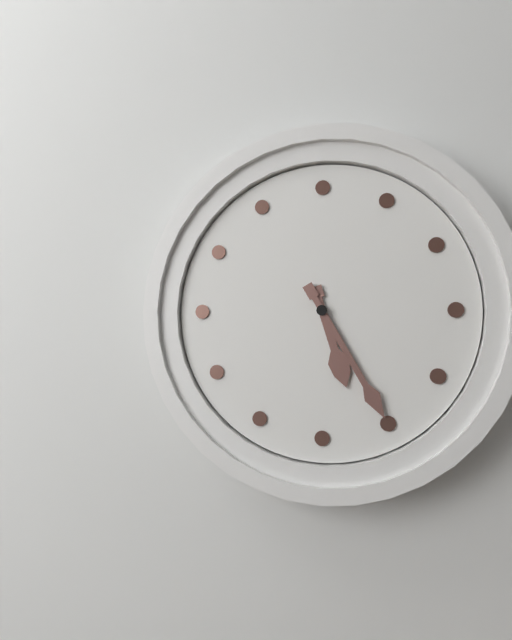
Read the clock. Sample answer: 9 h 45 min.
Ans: 5 h 25 min
